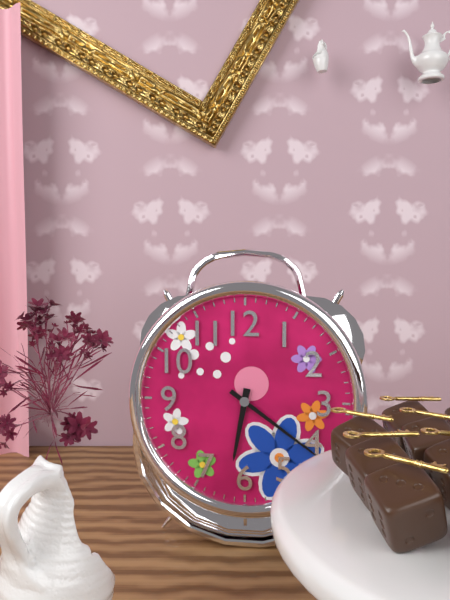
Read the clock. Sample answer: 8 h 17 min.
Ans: 6 h 21 min
